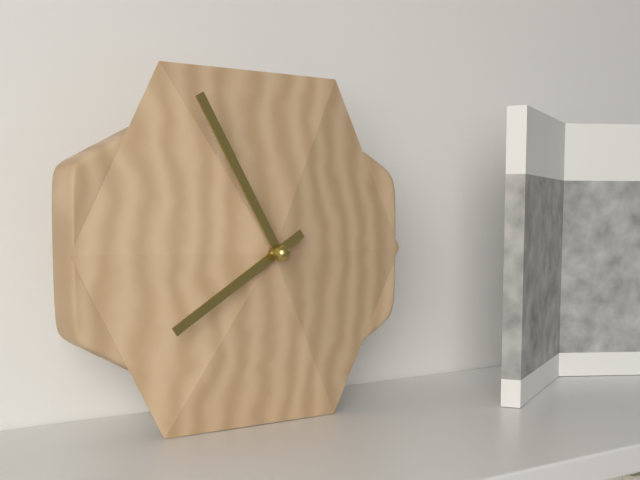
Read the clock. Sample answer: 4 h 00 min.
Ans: 7 h 55 min
